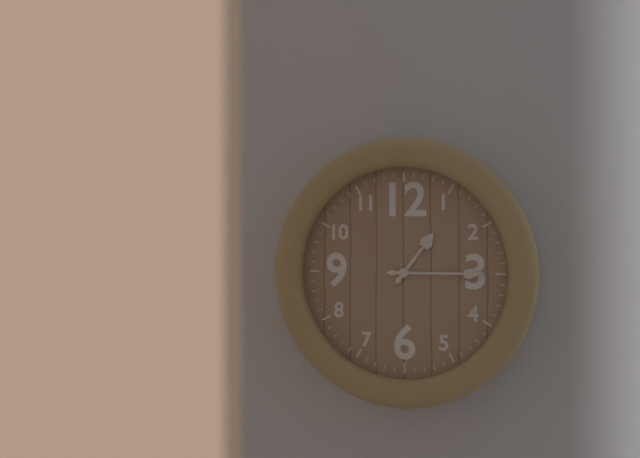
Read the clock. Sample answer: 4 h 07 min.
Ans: 1 h 15 min
